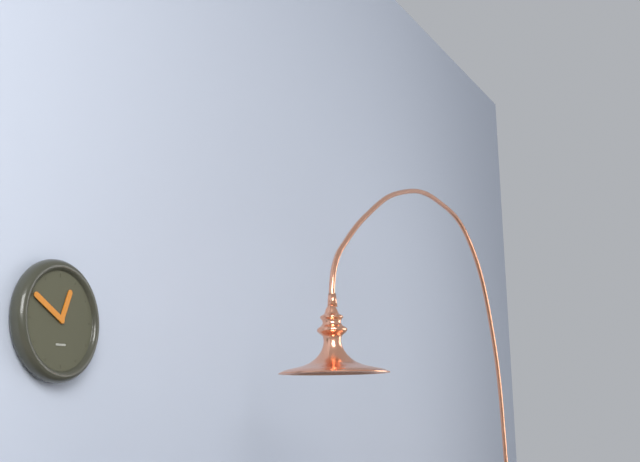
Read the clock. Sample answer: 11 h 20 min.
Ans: 12 h 50 min
